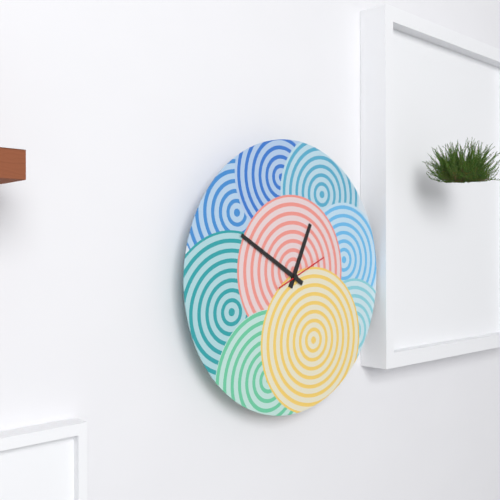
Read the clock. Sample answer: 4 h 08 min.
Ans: 12 h 50 min
